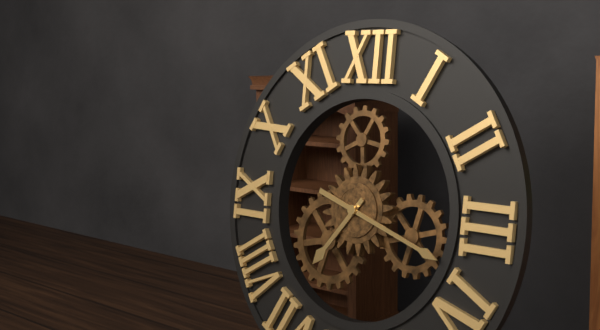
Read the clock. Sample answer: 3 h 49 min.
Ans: 7 h 18 min
